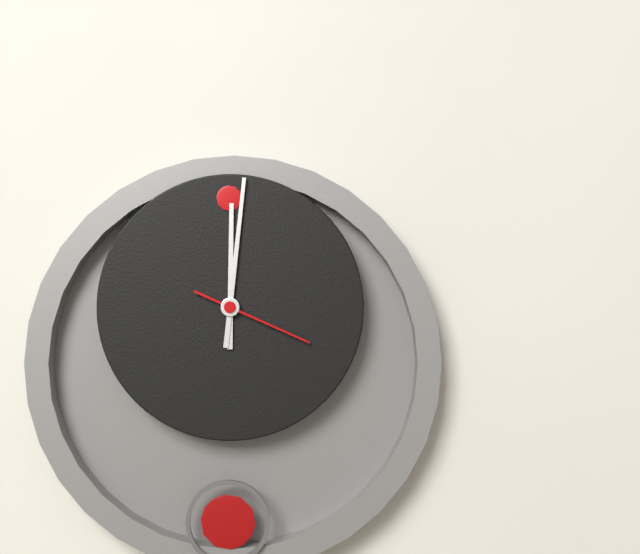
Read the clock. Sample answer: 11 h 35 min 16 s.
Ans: 12 h 01 min 19 s
